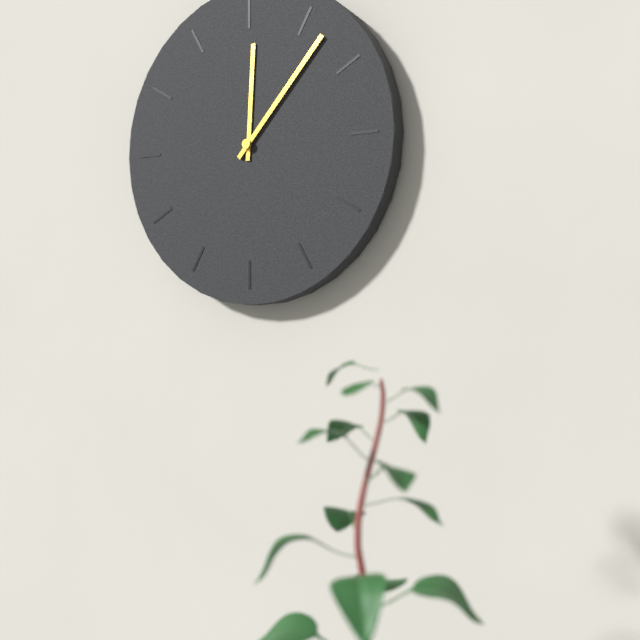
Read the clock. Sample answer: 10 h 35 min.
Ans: 12 h 07 min
